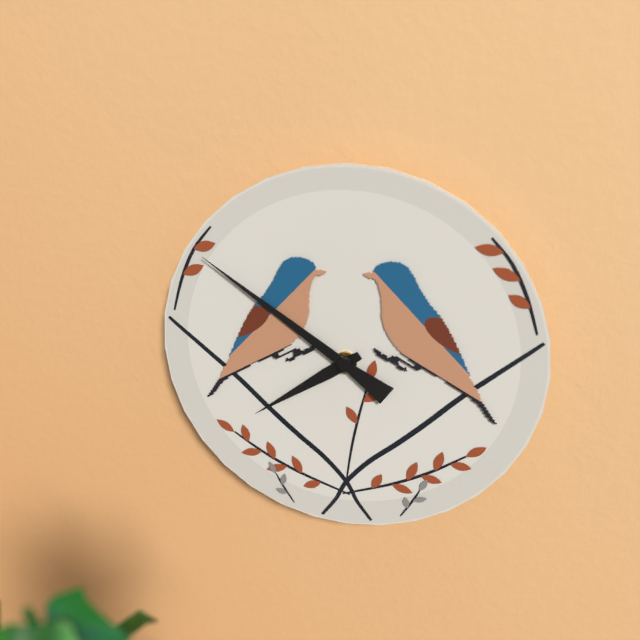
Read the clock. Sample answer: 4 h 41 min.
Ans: 7 h 51 min
